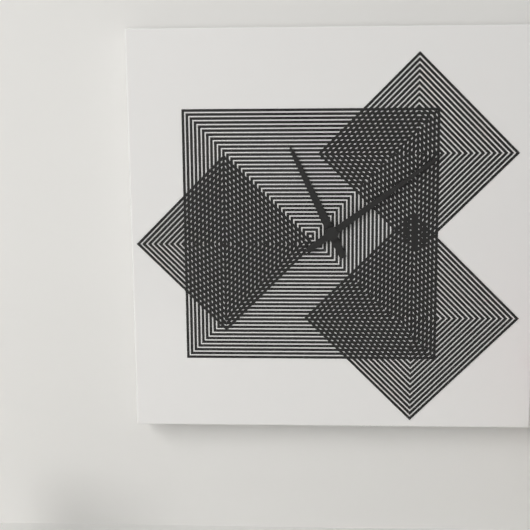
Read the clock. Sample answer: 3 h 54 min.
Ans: 11 h 09 min
